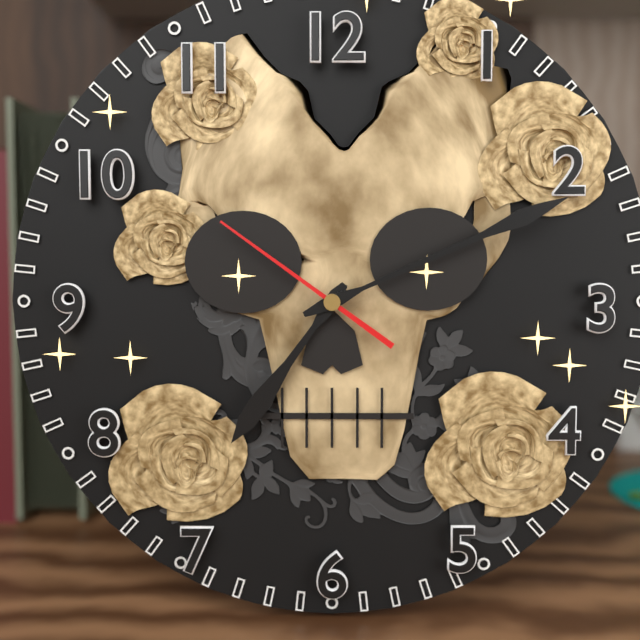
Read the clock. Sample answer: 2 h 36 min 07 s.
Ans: 7 h 11 min 51 s
